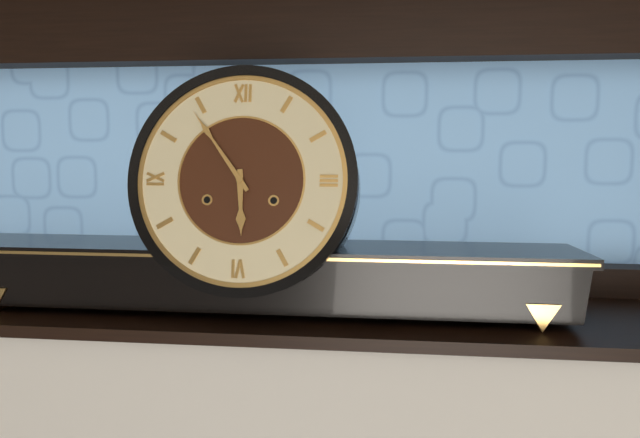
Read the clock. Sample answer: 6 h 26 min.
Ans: 5 h 54 min
